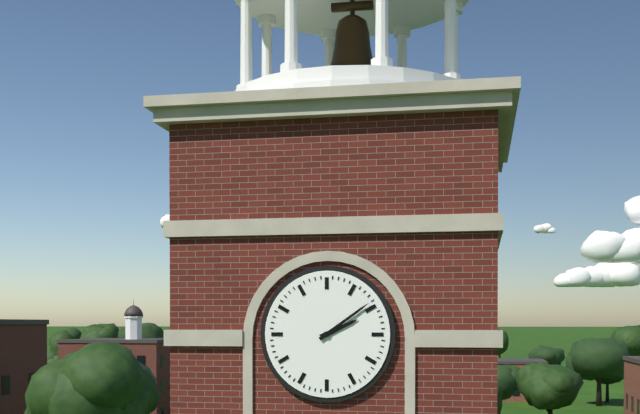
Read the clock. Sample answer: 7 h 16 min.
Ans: 2 h 09 min
